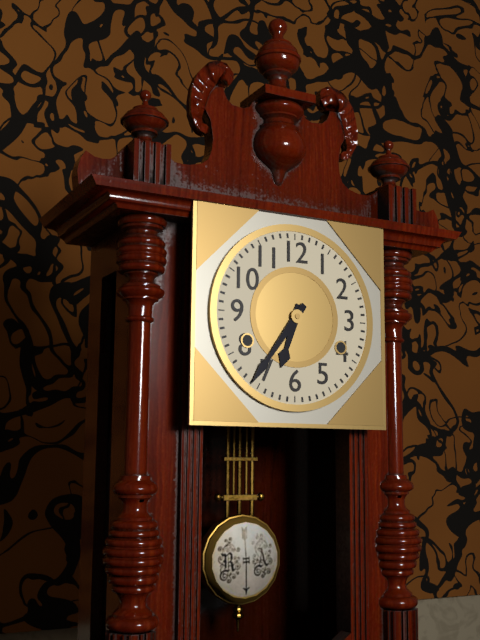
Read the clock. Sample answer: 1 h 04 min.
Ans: 6 h 36 min
